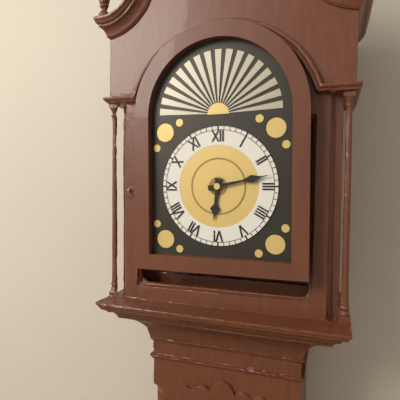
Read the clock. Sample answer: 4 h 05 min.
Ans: 6 h 13 min
